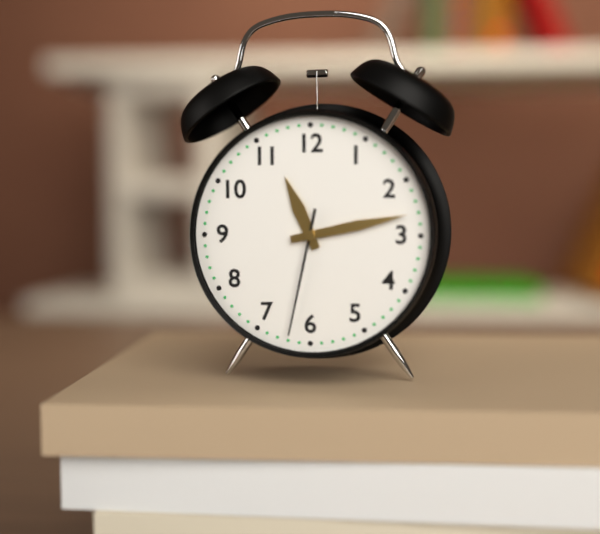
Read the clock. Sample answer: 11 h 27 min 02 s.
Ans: 11 h 13 min 32 s
